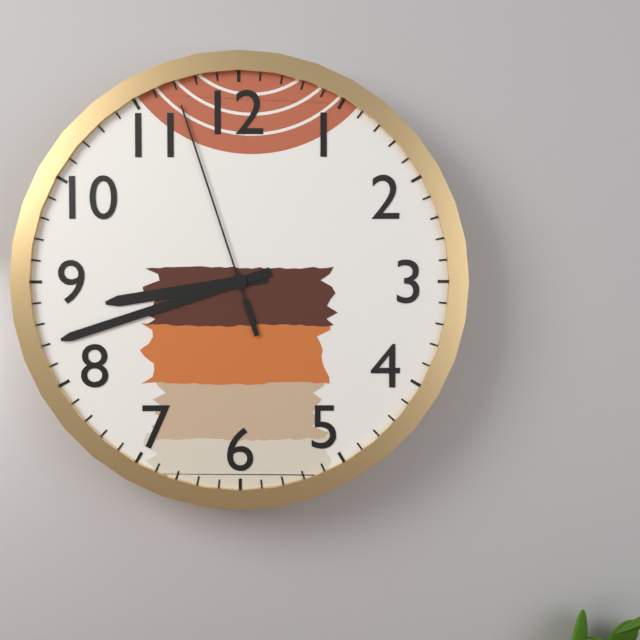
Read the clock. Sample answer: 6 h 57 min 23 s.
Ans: 8 h 42 min 57 s
